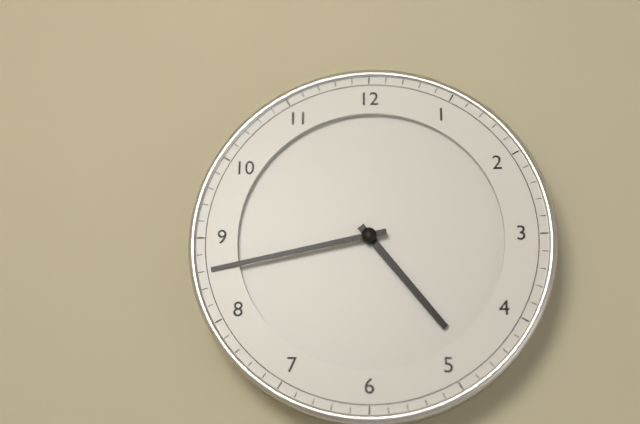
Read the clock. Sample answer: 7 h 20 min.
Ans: 4 h 43 min
